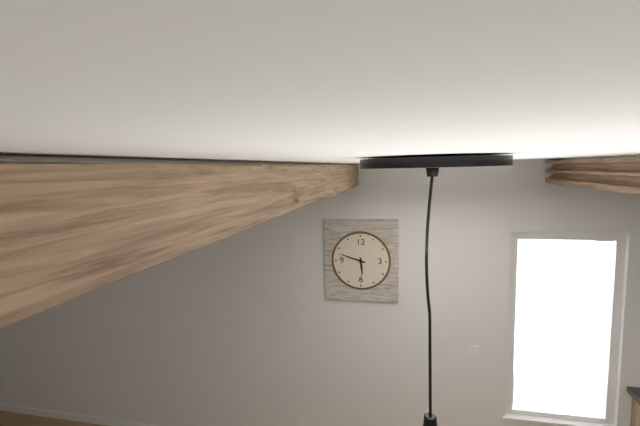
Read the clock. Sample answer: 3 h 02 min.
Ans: 5 h 48 min
